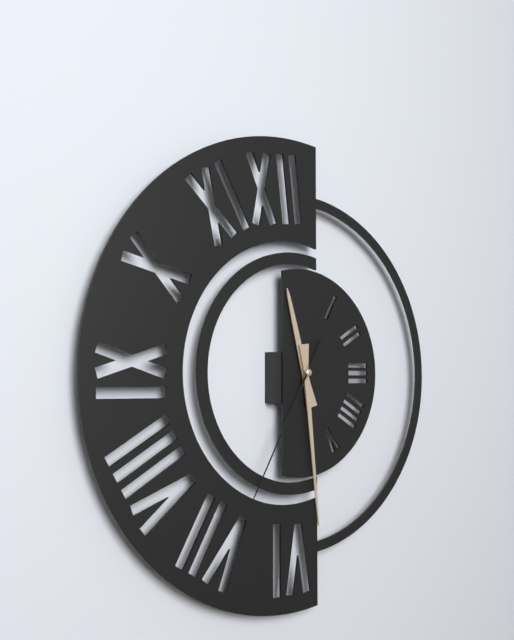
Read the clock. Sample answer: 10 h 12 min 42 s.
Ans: 11 h 29 min 35 s
